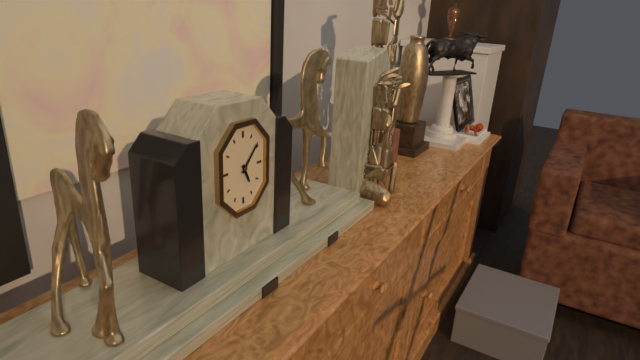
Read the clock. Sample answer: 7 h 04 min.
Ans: 5 h 07 min
